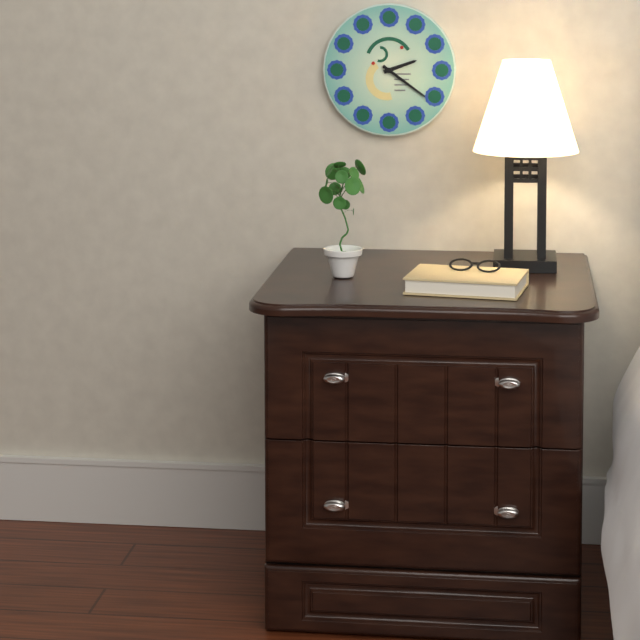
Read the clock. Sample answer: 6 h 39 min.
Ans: 2 h 21 min
